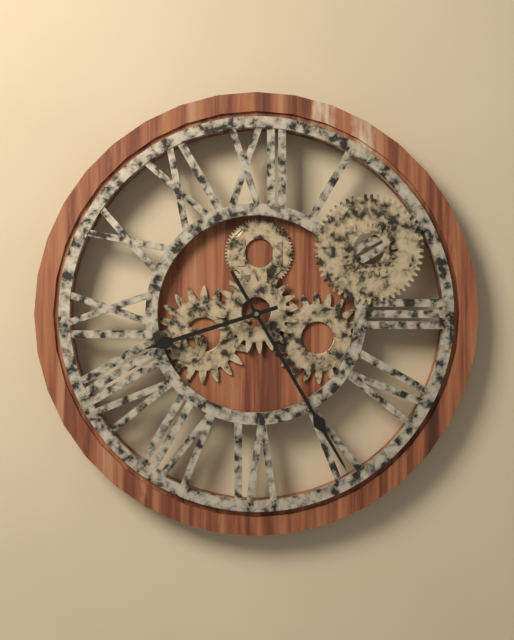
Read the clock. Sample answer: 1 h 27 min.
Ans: 8 h 25 min
